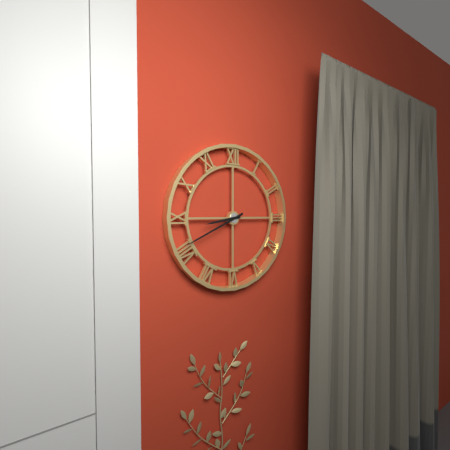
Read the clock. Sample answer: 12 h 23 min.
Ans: 8 h 41 min
